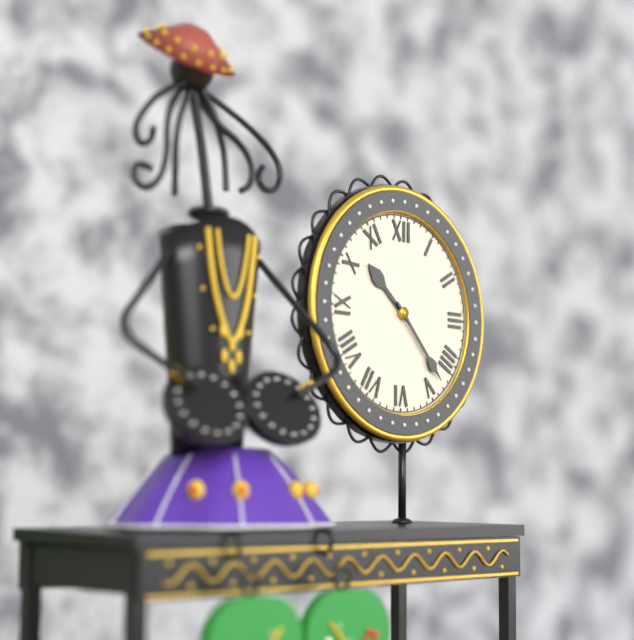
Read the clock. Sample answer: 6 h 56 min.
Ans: 10 h 23 min
